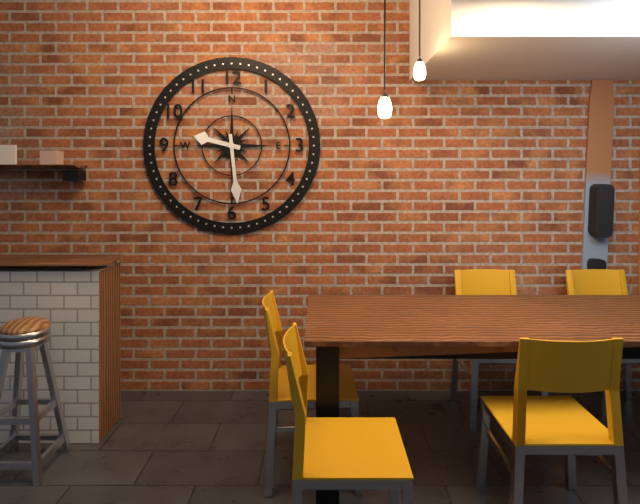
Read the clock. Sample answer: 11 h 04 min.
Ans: 9 h 29 min
